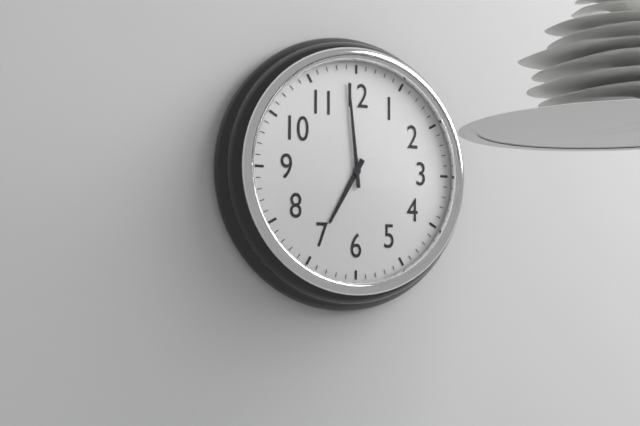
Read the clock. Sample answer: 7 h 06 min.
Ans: 6 h 59 min
